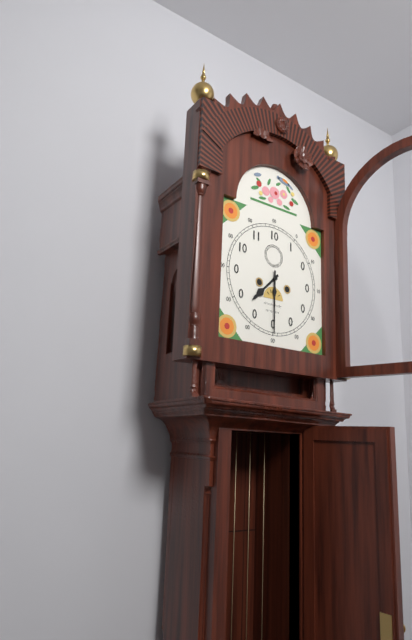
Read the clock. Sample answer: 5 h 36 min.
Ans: 7 h 30 min
